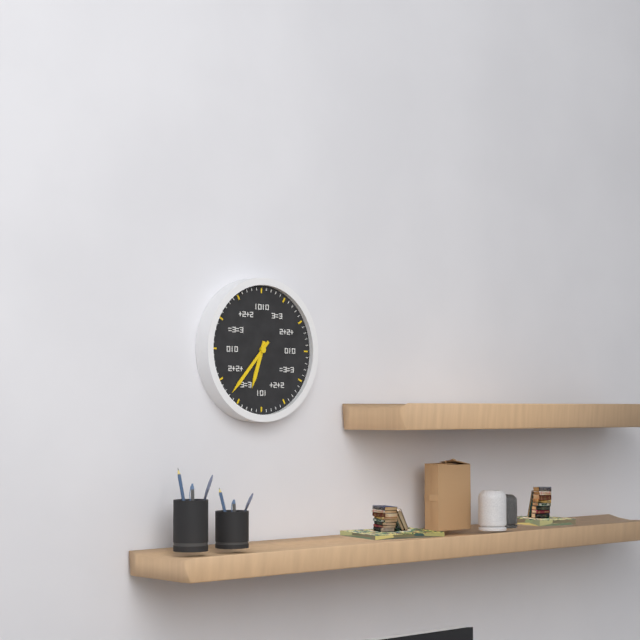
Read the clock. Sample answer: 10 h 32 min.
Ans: 6 h 37 min
